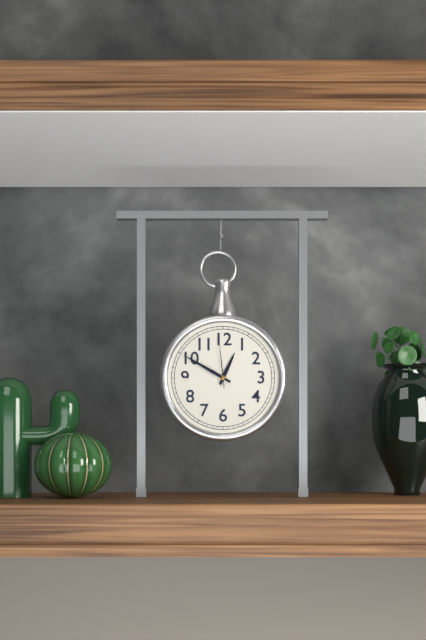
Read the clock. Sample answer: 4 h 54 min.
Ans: 12 h 50 min
